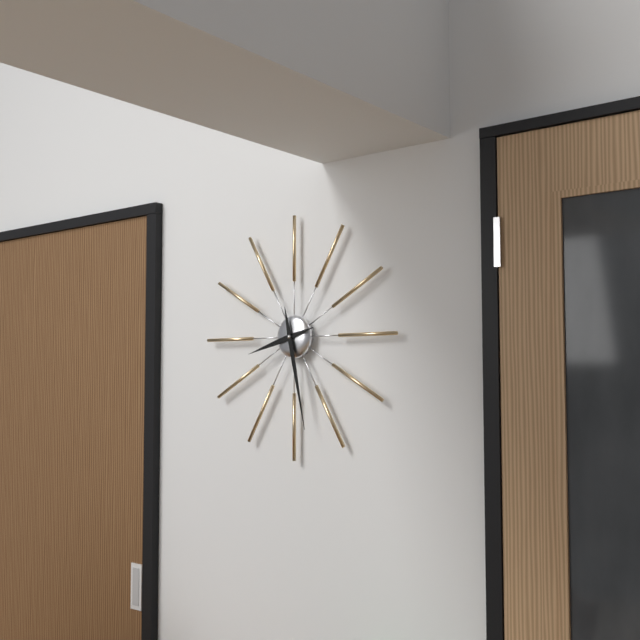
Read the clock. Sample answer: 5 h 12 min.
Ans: 8 h 28 min
